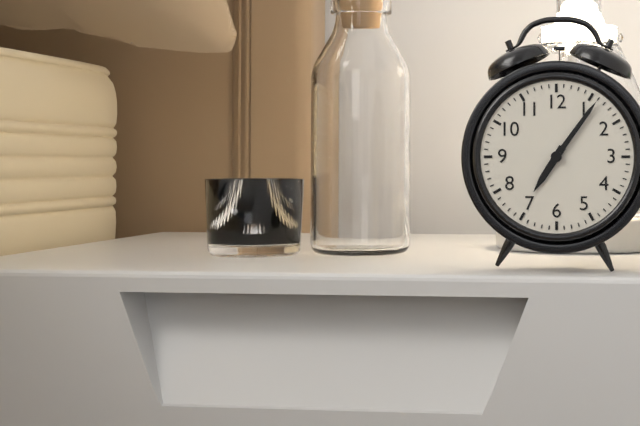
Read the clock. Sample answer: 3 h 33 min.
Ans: 7 h 06 min
